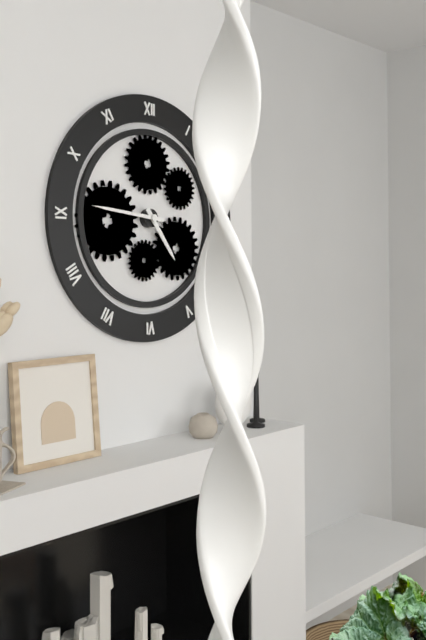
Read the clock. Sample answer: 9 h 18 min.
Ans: 4 h 46 min
